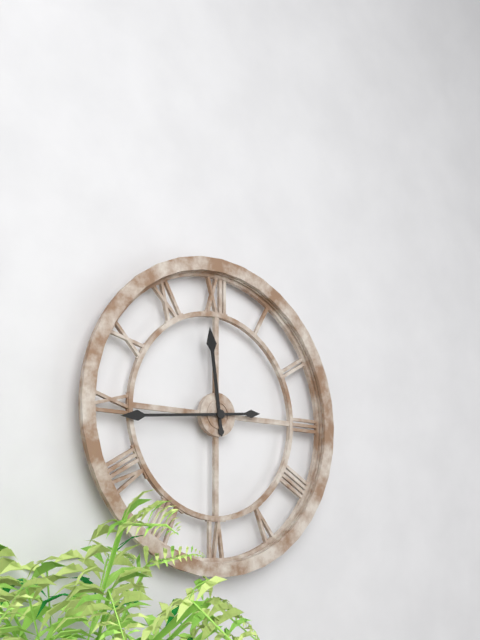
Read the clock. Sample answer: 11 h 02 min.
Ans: 11 h 44 min
